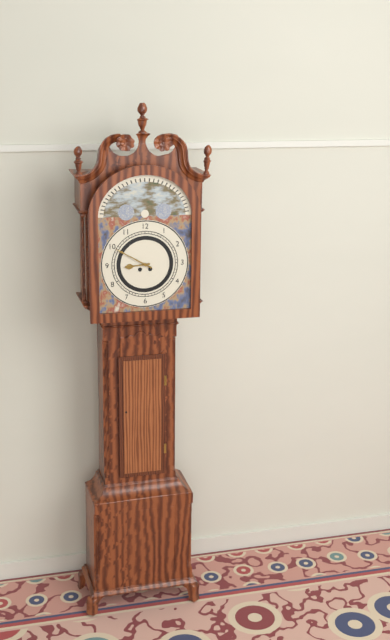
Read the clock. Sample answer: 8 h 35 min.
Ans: 8 h 50 min
